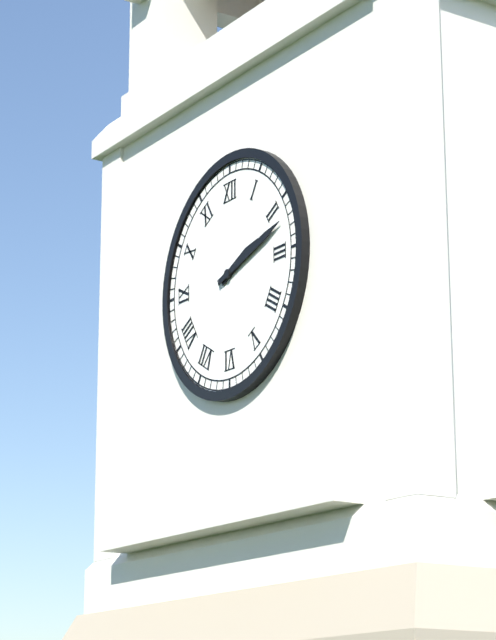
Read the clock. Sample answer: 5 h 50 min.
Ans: 2 h 12 min
